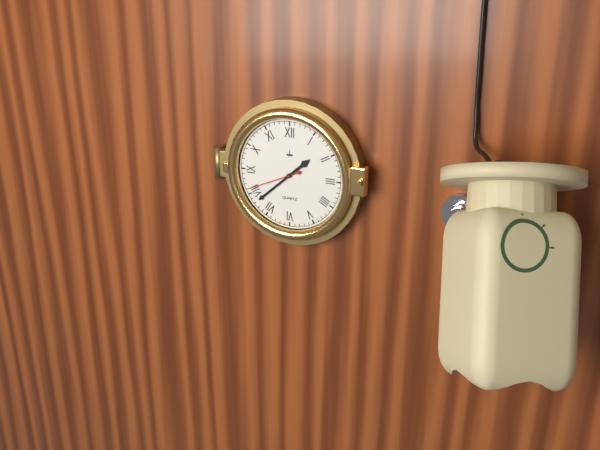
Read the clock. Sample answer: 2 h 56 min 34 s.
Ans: 1 h 38 min 41 s
